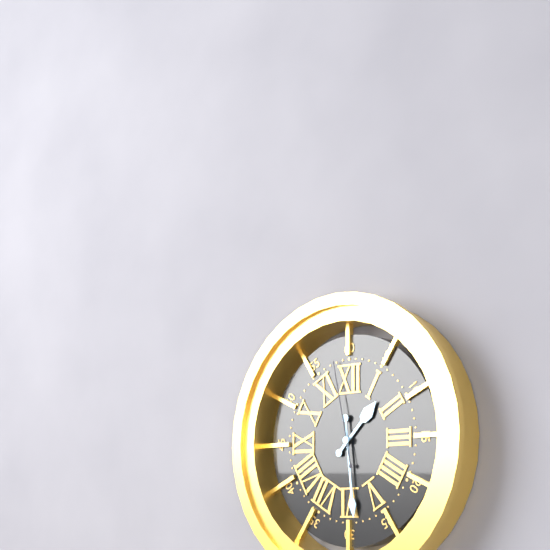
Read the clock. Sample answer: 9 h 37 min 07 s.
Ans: 1 h 29 min 58 s
